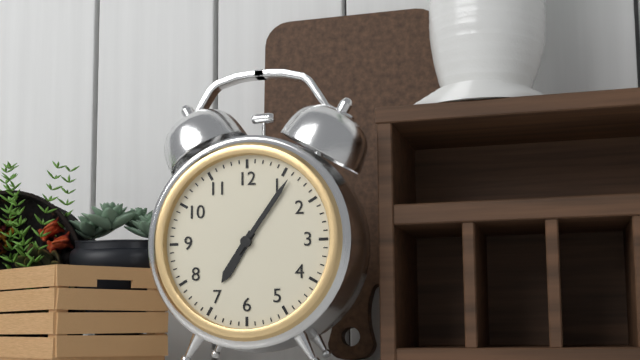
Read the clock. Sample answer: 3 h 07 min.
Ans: 7 h 06 min
